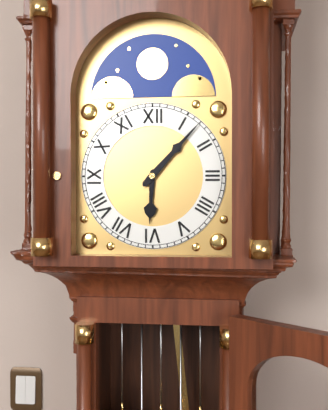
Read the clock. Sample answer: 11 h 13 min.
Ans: 6 h 07 min
